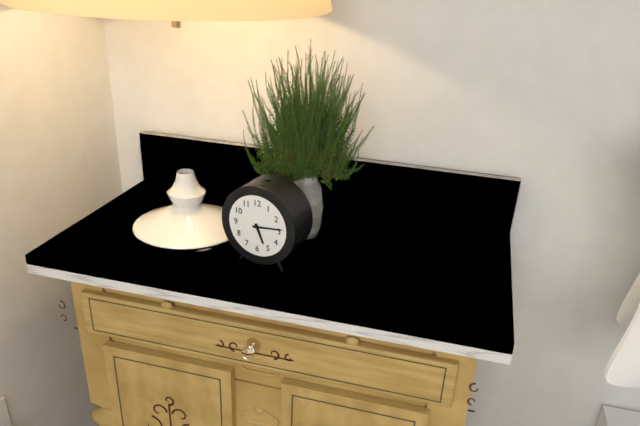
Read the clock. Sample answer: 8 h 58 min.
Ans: 5 h 14 min
